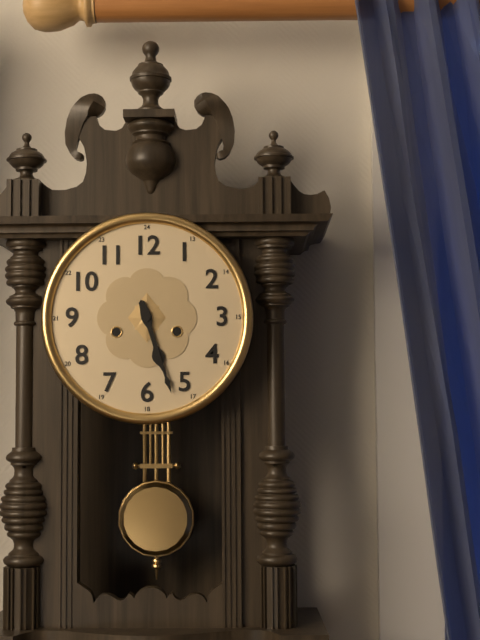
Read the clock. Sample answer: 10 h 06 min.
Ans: 5 h 27 min
